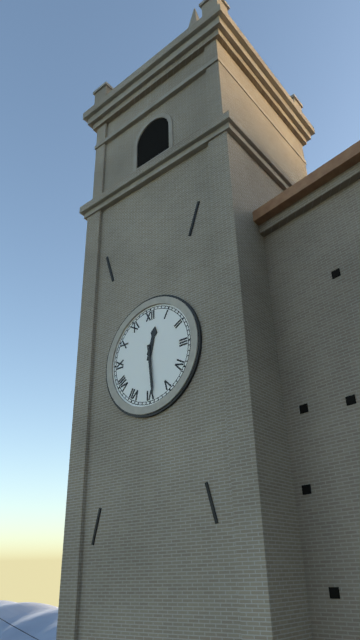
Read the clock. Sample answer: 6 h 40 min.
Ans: 12 h 29 min
